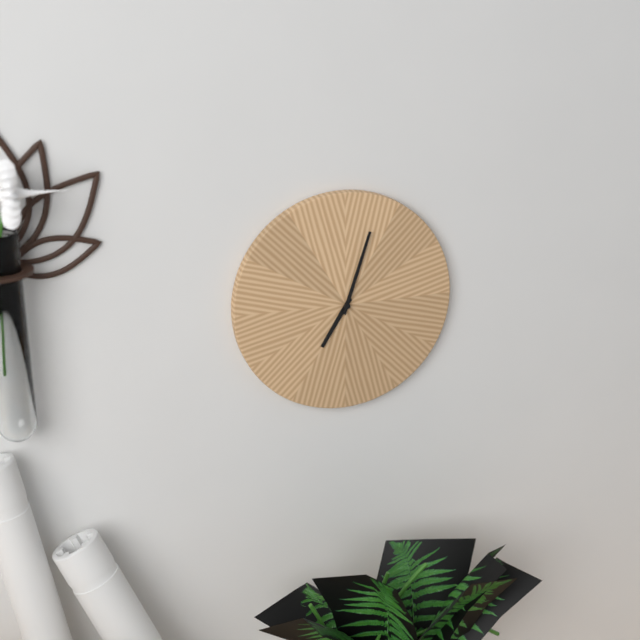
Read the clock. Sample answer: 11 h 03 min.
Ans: 7 h 03 min
